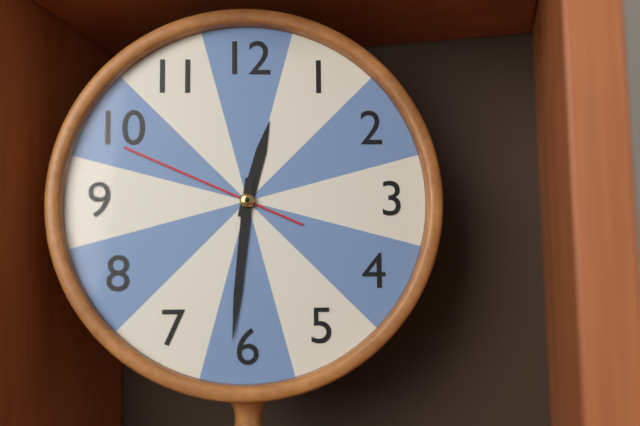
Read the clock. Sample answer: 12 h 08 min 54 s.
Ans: 12 h 31 min 49 s
